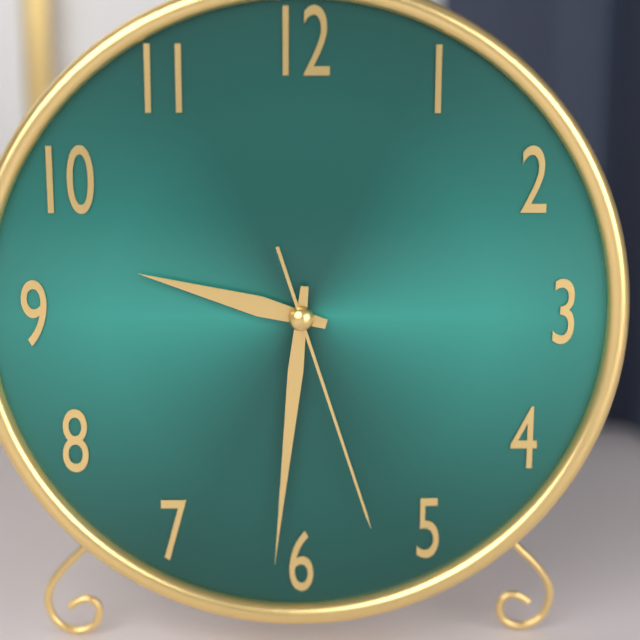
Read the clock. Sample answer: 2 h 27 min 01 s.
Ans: 9 h 31 min 27 s
